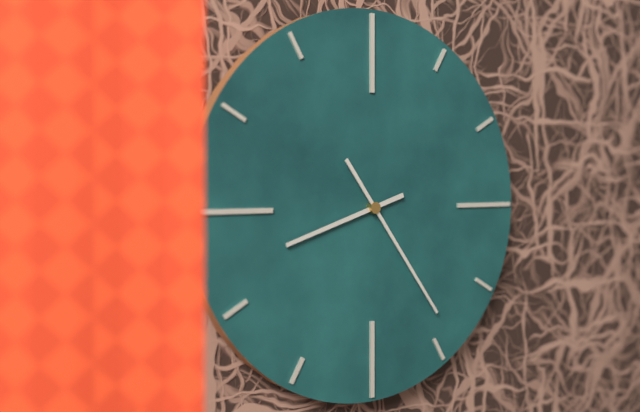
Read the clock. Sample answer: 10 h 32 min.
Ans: 8 h 24 min
